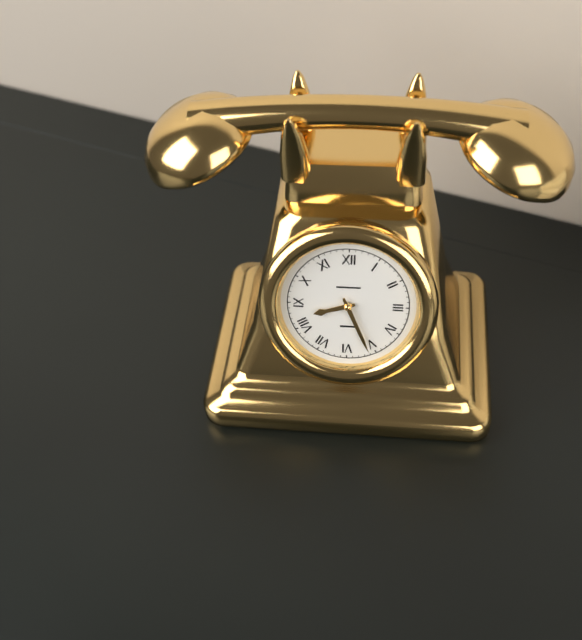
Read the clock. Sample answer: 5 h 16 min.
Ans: 8 h 26 min
